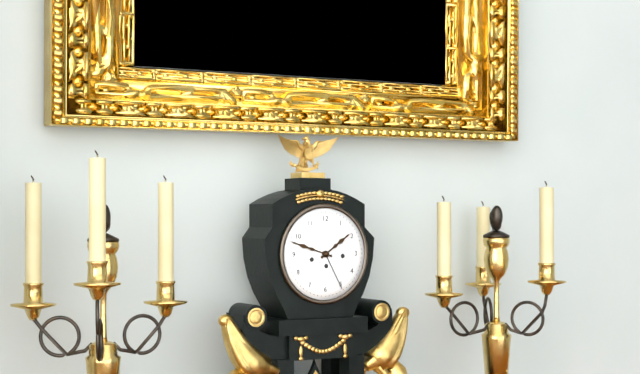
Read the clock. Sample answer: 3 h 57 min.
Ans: 1 h 48 min
